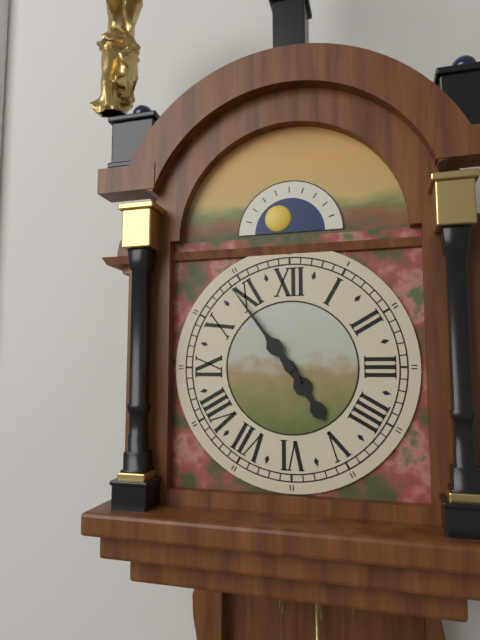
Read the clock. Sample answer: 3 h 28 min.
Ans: 4 h 54 min
